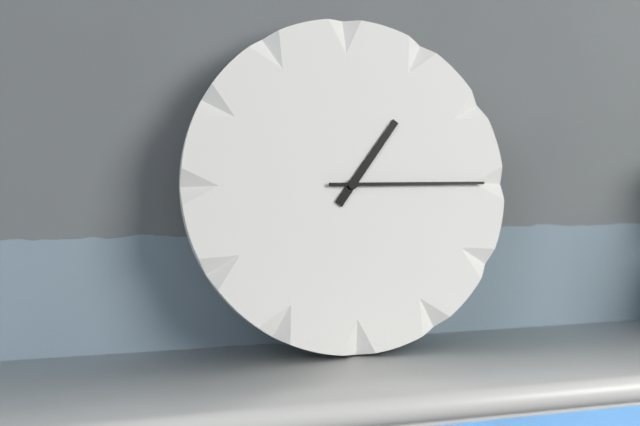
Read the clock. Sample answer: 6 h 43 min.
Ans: 1 h 15 min
